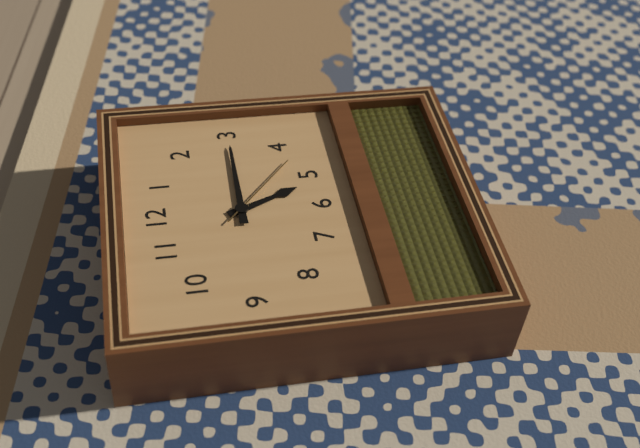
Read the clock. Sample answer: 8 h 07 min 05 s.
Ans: 5 h 15 min 22 s
